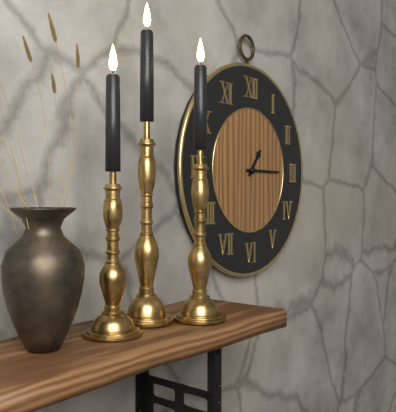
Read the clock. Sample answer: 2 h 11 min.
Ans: 1 h 15 min
